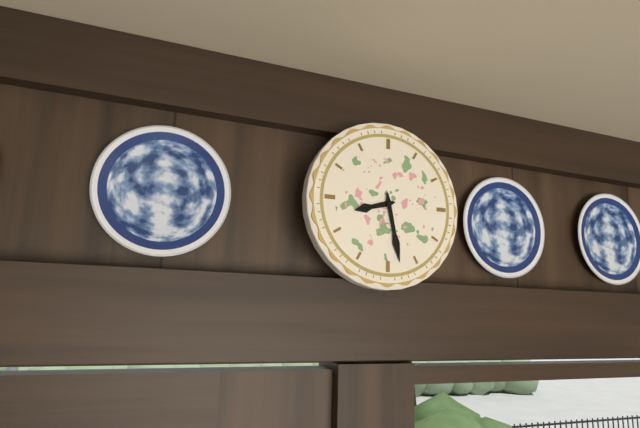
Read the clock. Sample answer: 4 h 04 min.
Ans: 8 h 28 min
